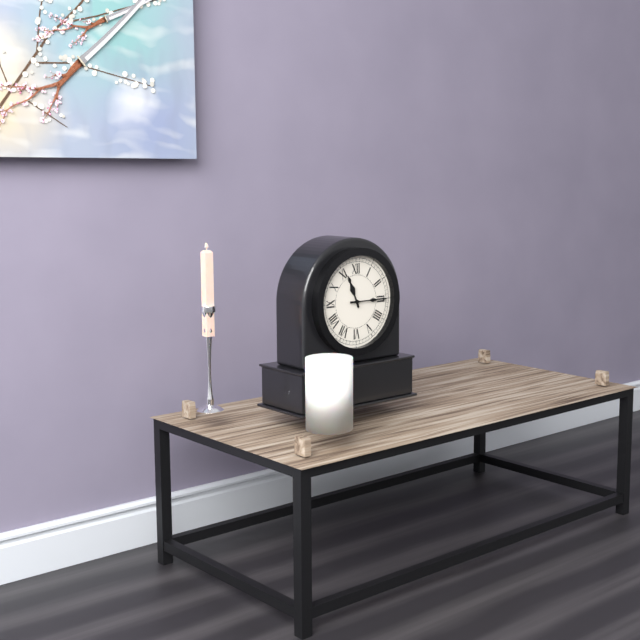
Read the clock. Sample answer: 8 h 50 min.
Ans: 11 h 15 min
